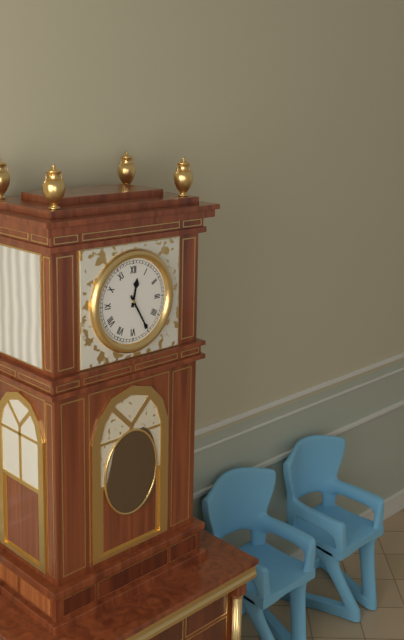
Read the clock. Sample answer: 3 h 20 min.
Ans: 12 h 25 min
